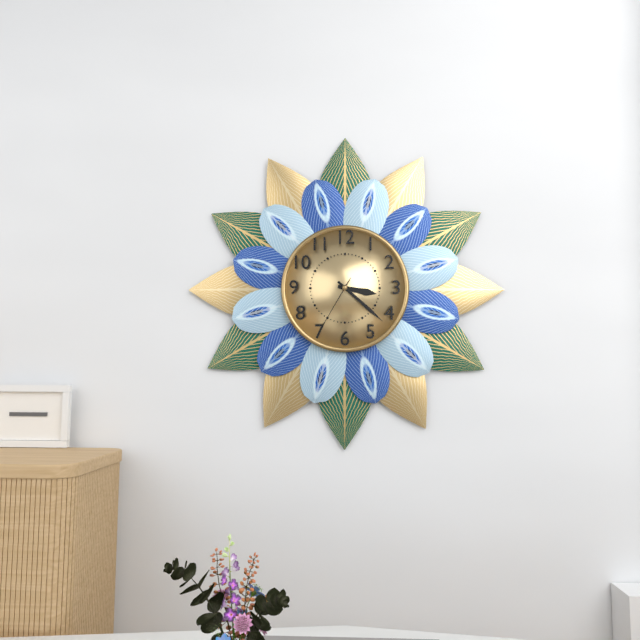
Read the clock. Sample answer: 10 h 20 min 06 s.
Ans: 3 h 22 min 35 s
